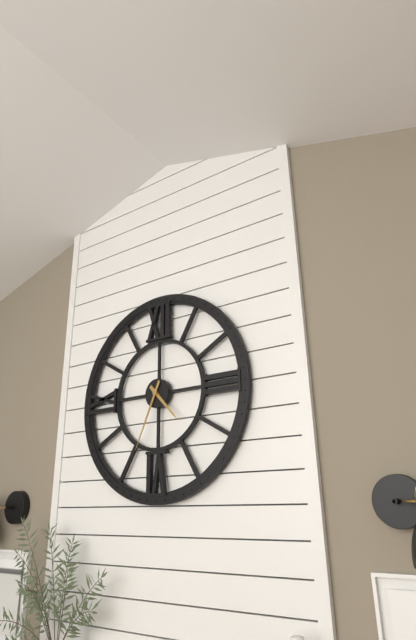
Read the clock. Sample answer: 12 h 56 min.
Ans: 4 h 34 min
